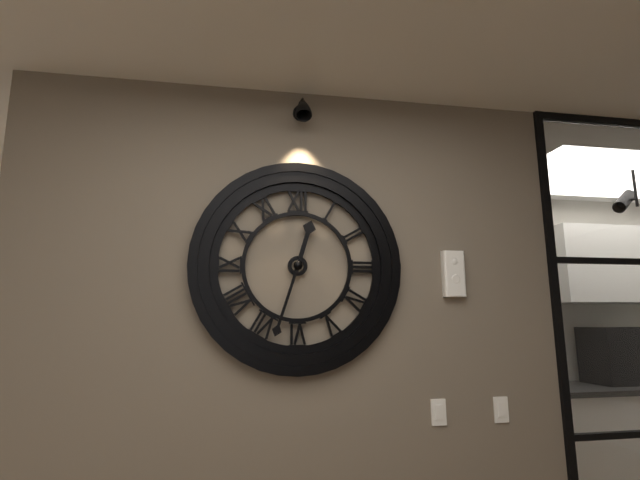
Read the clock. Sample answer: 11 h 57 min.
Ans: 12 h 33 min
